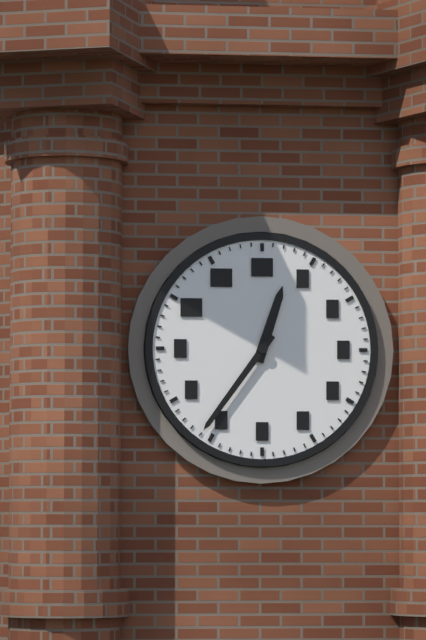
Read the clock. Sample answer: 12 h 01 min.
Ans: 12 h 36 min
